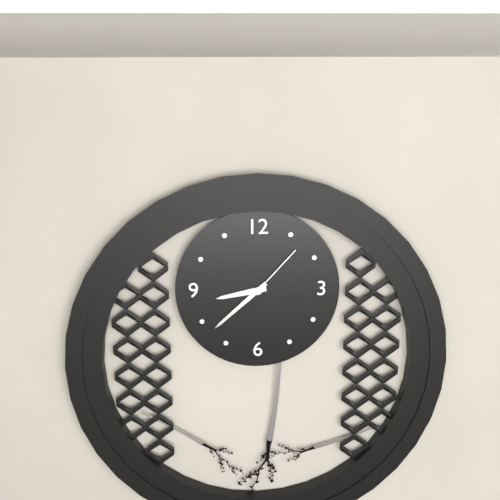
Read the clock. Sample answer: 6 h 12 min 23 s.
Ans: 8 h 38 min 07 s
